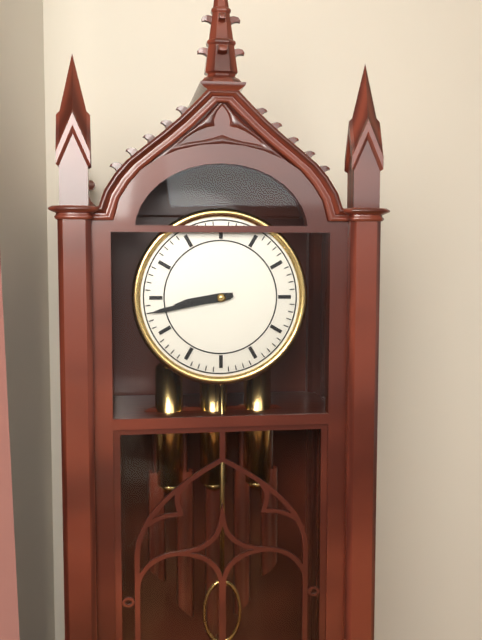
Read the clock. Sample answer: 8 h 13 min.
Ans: 8 h 43 min
